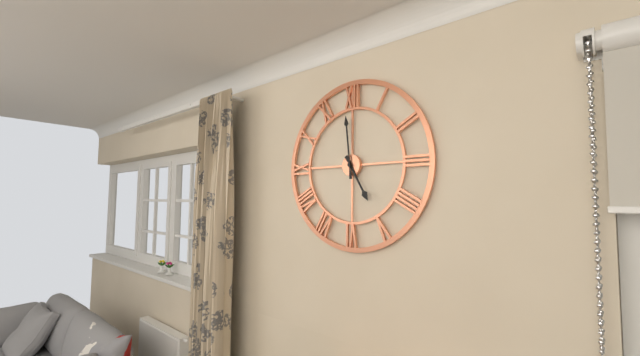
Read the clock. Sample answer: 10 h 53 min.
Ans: 4 h 59 min
